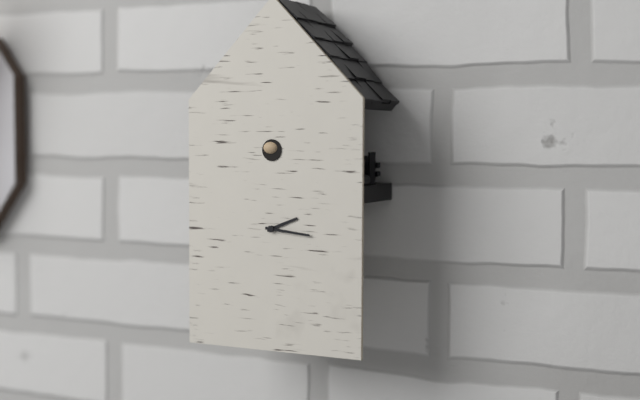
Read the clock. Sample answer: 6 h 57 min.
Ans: 2 h 16 min
